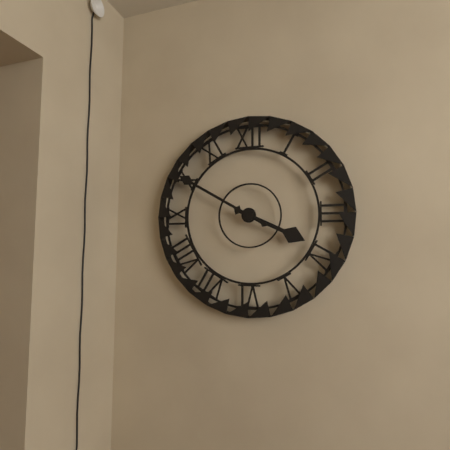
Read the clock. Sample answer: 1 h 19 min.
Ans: 3 h 50 min
